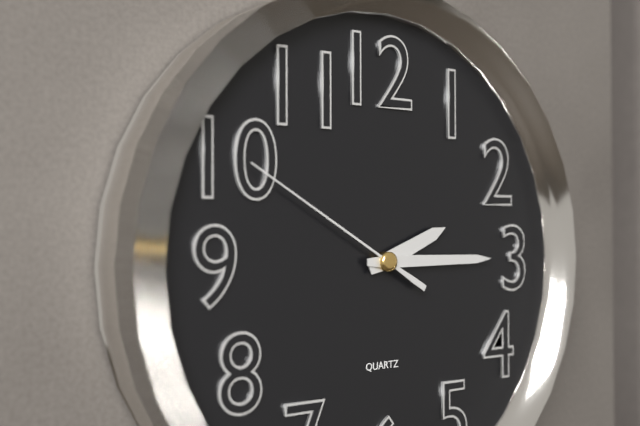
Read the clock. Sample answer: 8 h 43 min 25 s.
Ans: 2 h 15 min 50 s
